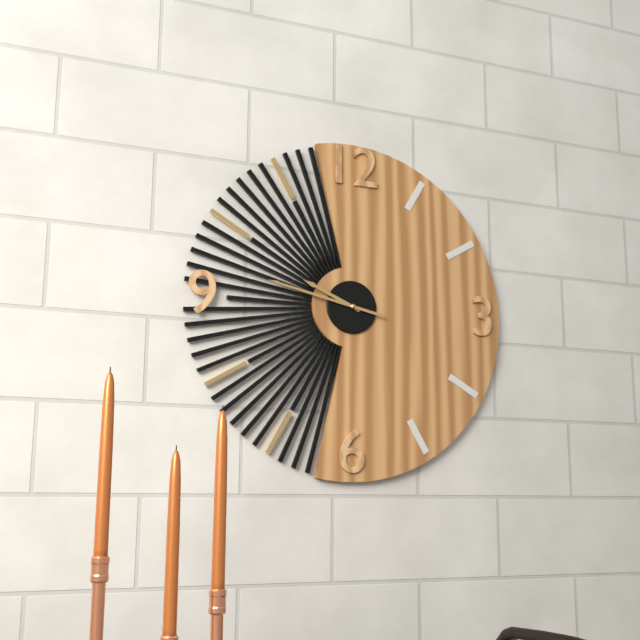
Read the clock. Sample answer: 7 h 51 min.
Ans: 9 h 47 min
